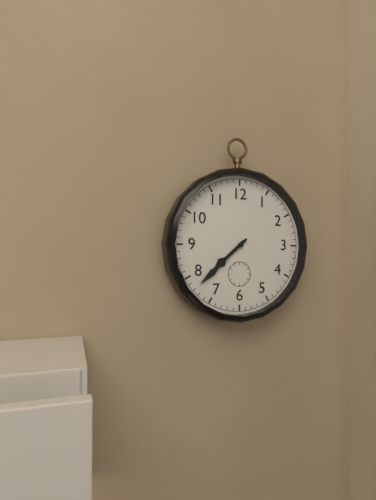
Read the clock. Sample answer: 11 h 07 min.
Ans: 7 h 38 min
